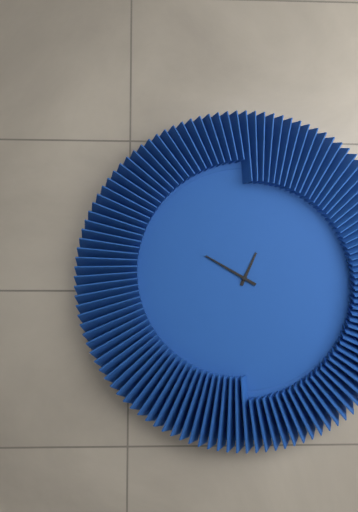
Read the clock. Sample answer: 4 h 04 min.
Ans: 12 h 50 min
